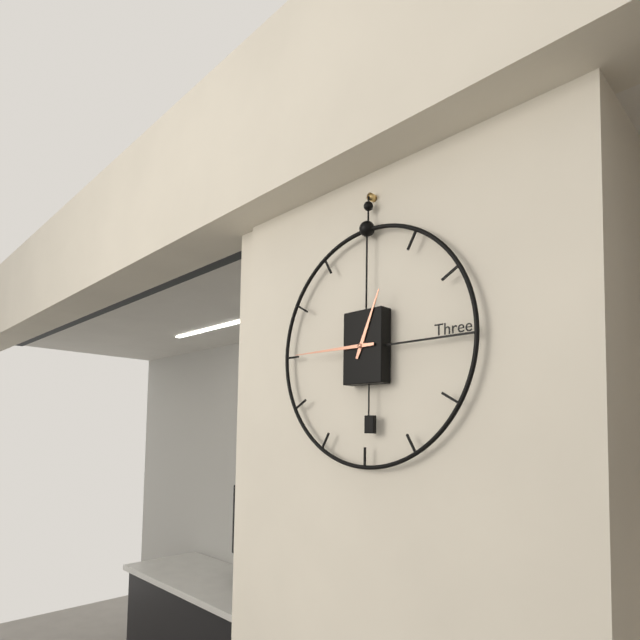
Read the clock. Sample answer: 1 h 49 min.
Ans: 12 h 45 min
